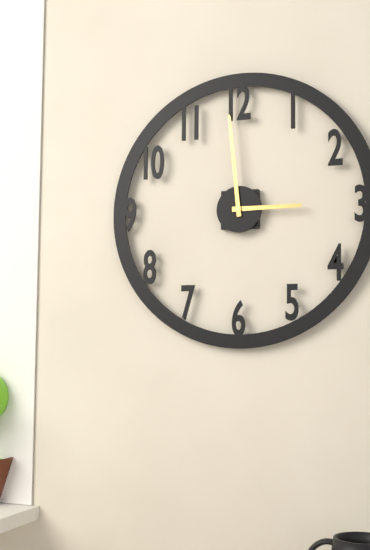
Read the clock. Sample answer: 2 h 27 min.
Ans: 2 h 59 min
